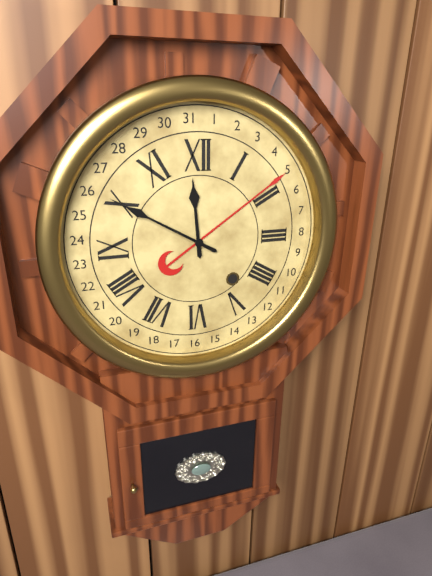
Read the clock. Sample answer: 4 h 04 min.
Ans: 11 h 50 min
